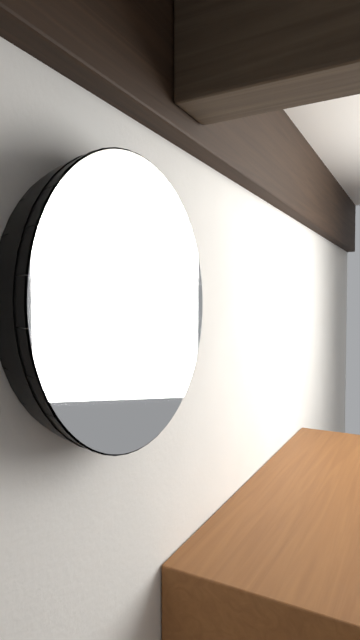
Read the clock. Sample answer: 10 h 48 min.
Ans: 5 h 34 min
